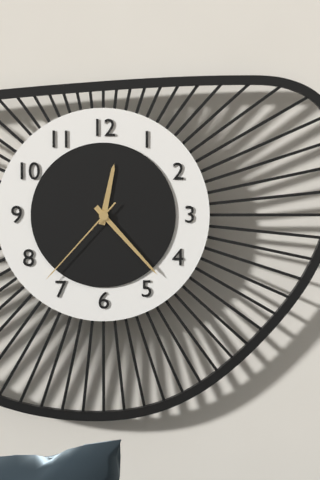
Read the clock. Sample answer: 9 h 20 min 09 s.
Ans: 12 h 23 min 37 s
